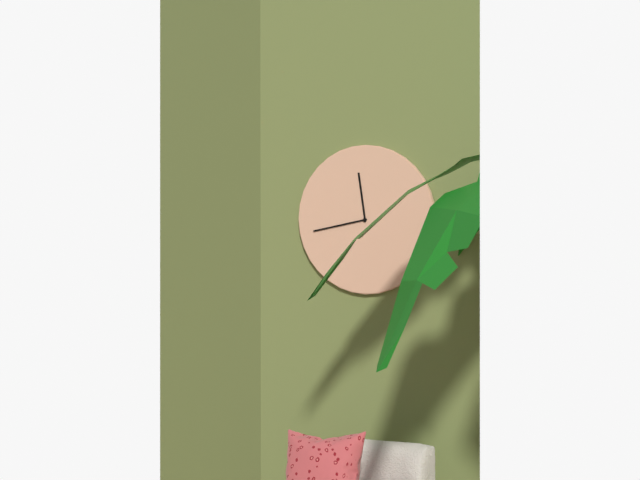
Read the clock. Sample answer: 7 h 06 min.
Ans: 11 h 43 min
